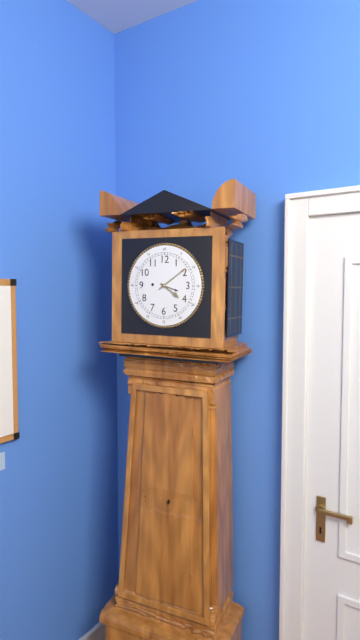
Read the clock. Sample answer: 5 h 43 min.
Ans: 4 h 09 min
